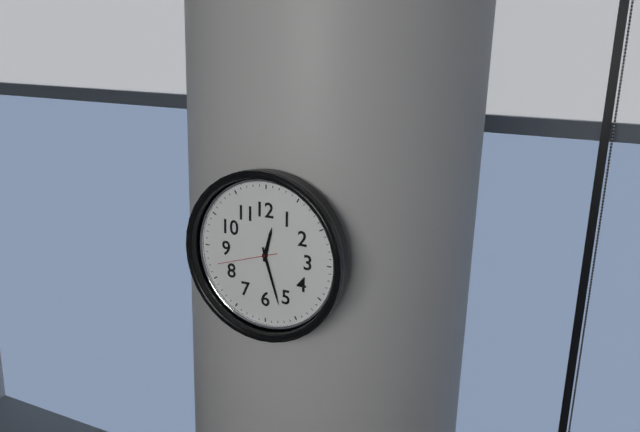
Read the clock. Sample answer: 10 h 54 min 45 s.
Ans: 12 h 27 min 42 s
